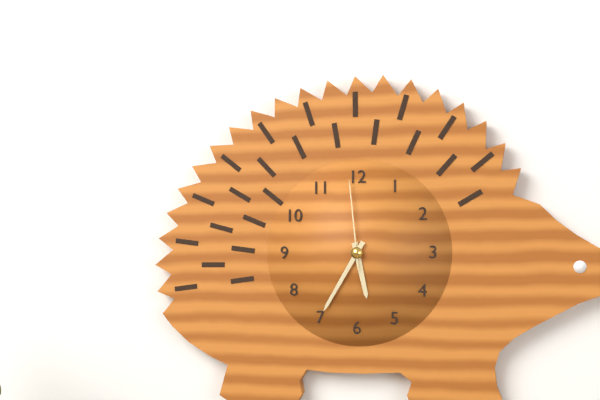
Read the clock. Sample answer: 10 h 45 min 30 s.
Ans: 5 h 35 min 59 s
